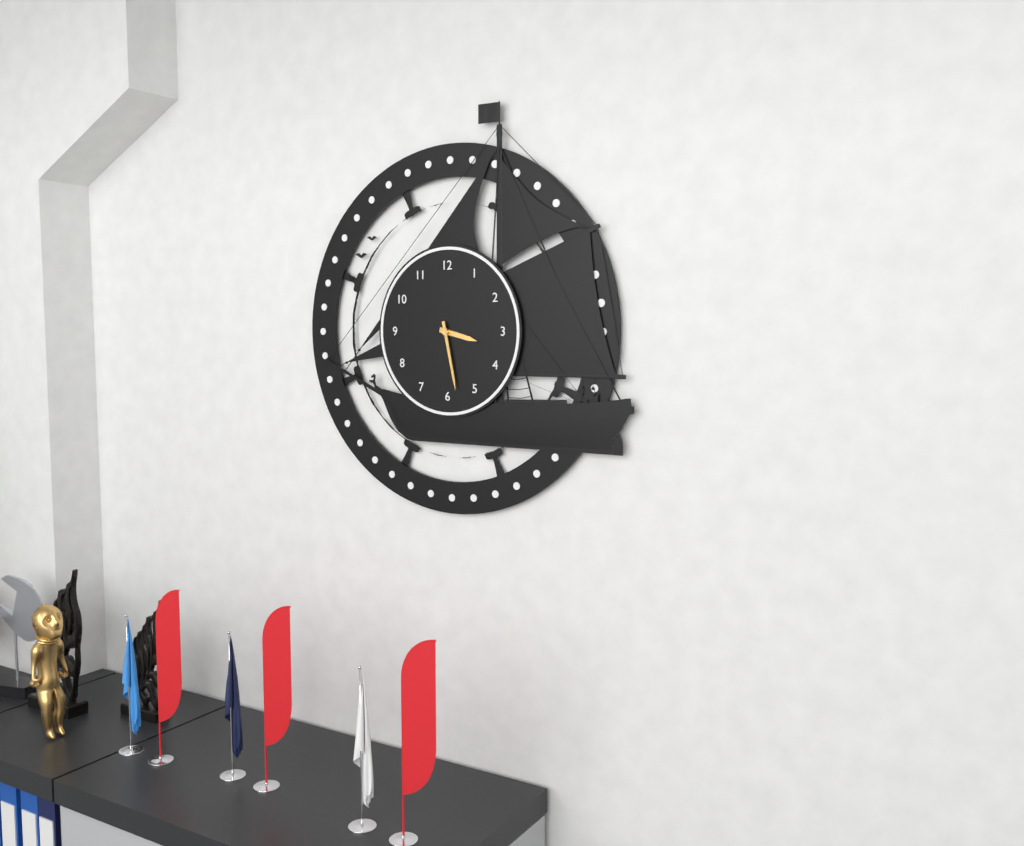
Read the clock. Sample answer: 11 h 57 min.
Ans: 3 h 28 min
